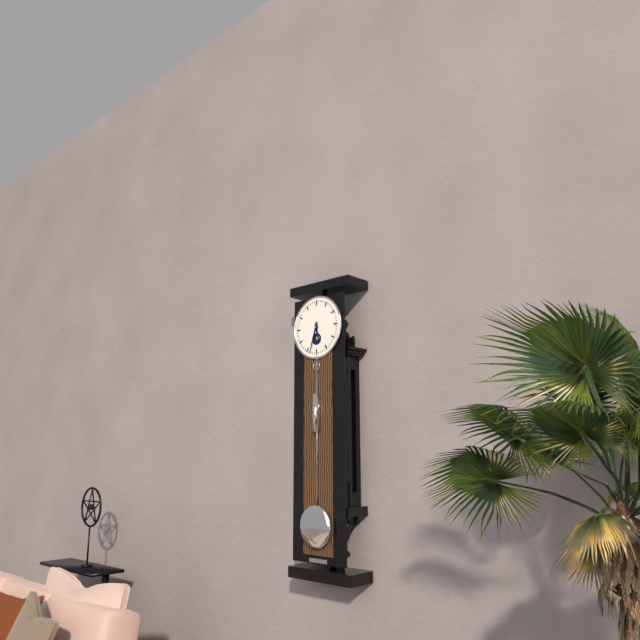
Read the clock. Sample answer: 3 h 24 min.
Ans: 5 h 33 min
